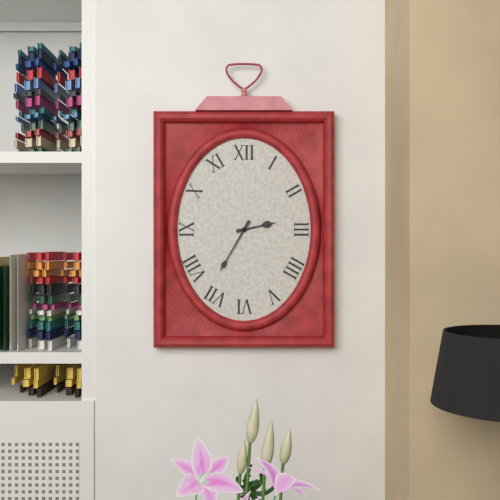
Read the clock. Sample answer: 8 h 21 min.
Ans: 2 h 35 min
